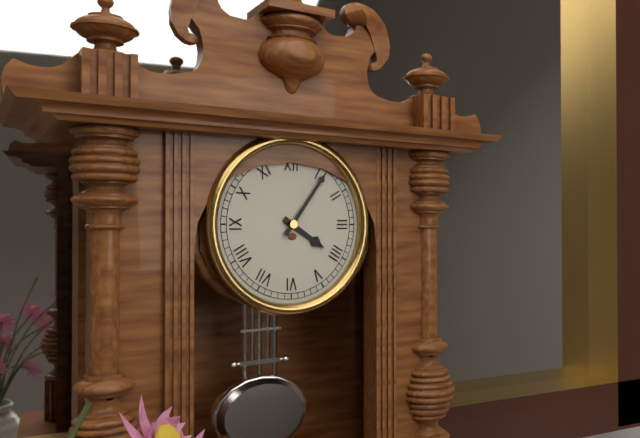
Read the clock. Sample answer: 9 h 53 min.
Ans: 4 h 06 min
